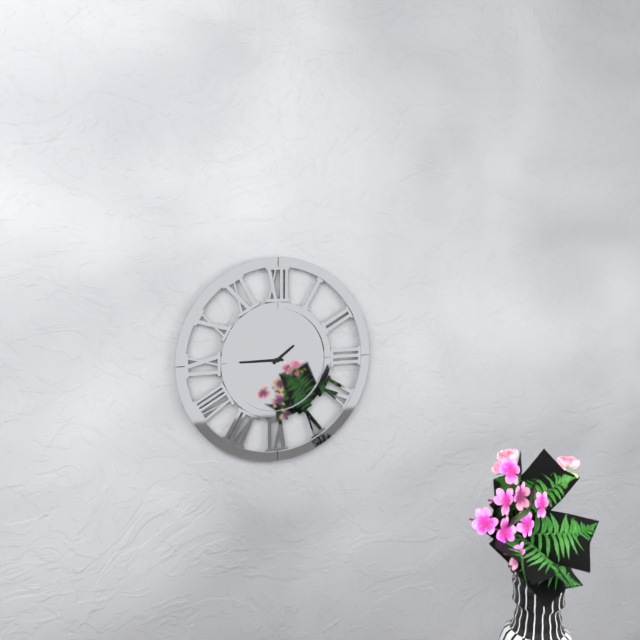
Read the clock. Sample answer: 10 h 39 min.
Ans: 1 h 45 min
